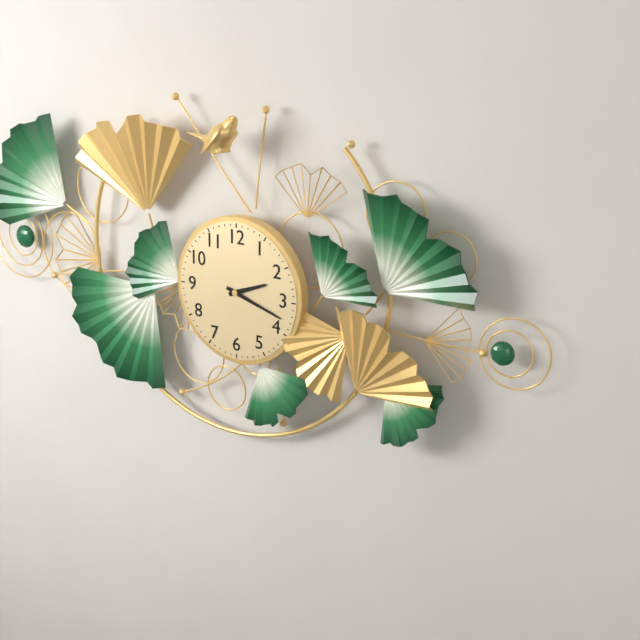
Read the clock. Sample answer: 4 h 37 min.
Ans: 2 h 18 min
